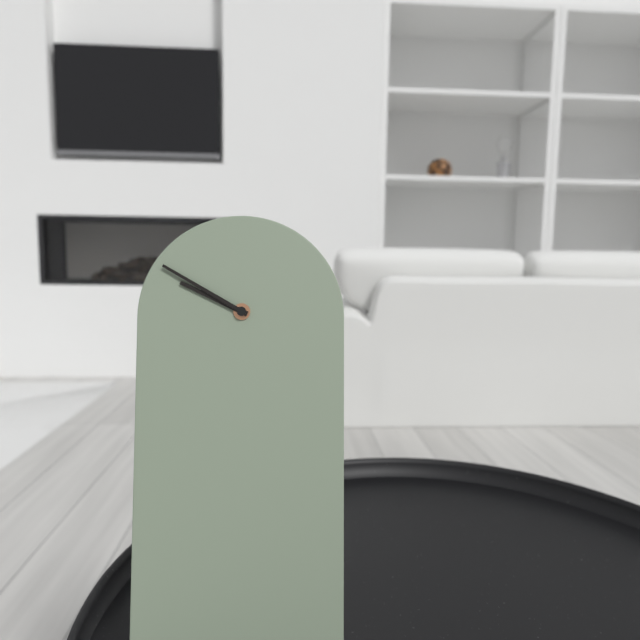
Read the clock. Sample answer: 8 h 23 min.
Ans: 9 h 50 min
